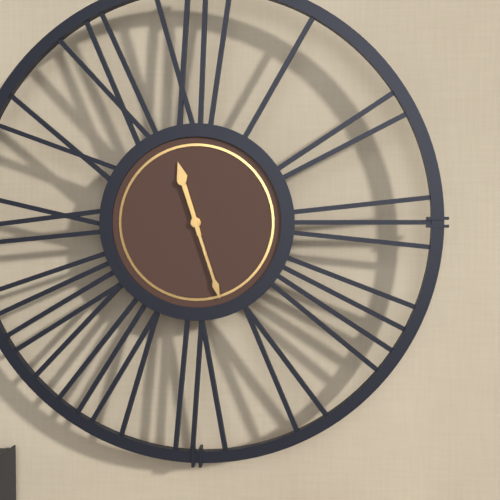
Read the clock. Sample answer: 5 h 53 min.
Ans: 11 h 27 min
